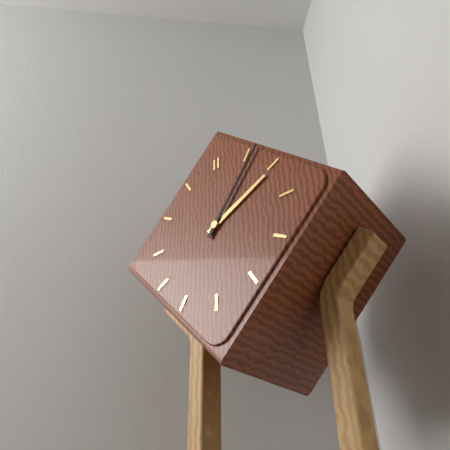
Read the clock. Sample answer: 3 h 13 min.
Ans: 2 h 06 min
